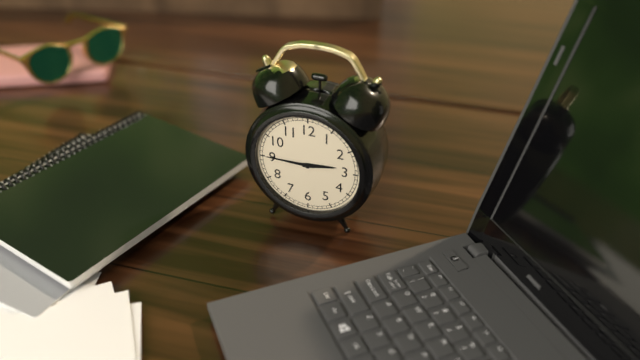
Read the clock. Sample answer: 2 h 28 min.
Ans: 2 h 45 min
